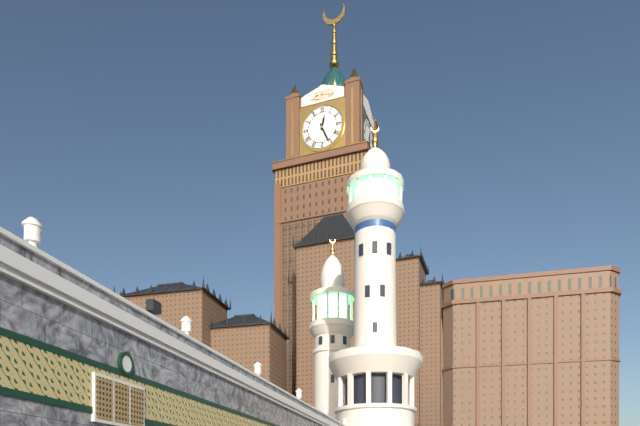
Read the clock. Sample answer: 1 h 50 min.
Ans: 12 h 26 min
